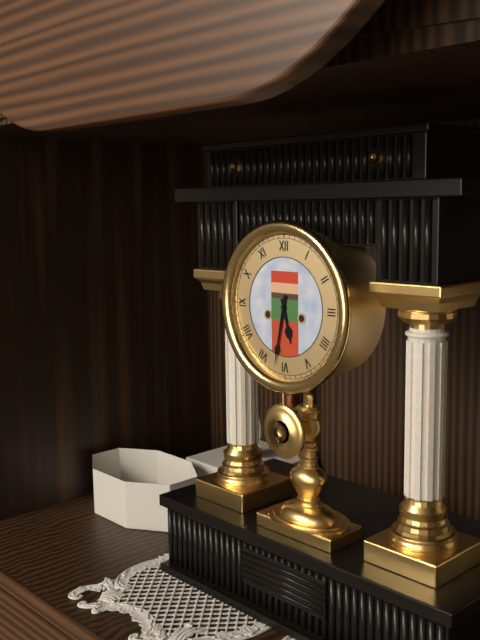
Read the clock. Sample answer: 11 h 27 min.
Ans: 5 h 32 min
